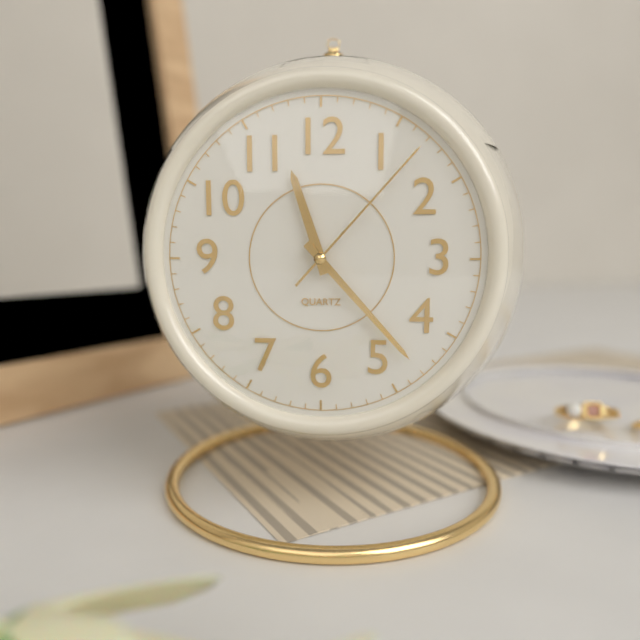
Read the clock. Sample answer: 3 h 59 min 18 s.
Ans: 11 h 23 min 07 s
